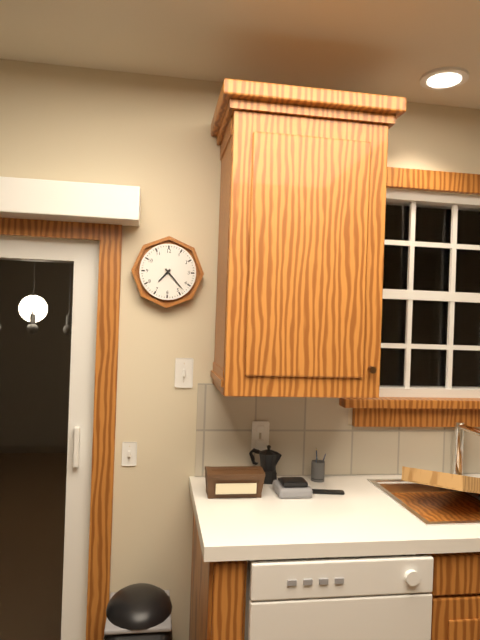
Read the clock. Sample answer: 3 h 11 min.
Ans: 7 h 23 min
